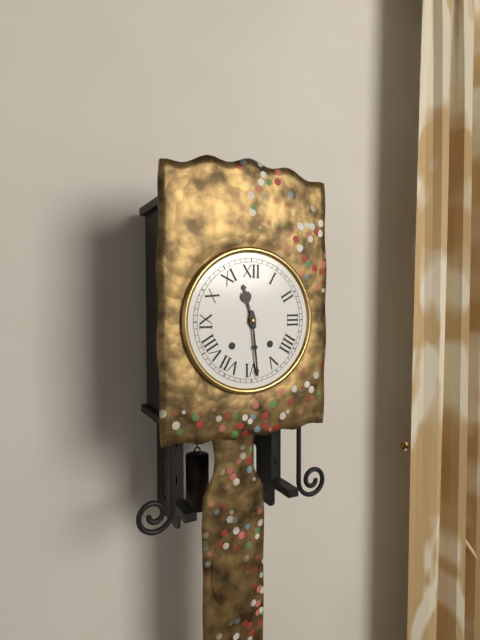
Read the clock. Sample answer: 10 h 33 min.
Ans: 11 h 29 min
